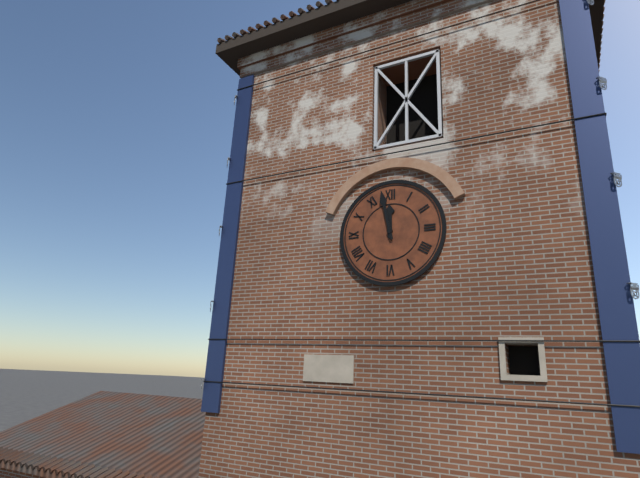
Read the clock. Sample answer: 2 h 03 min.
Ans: 11 h 58 min
